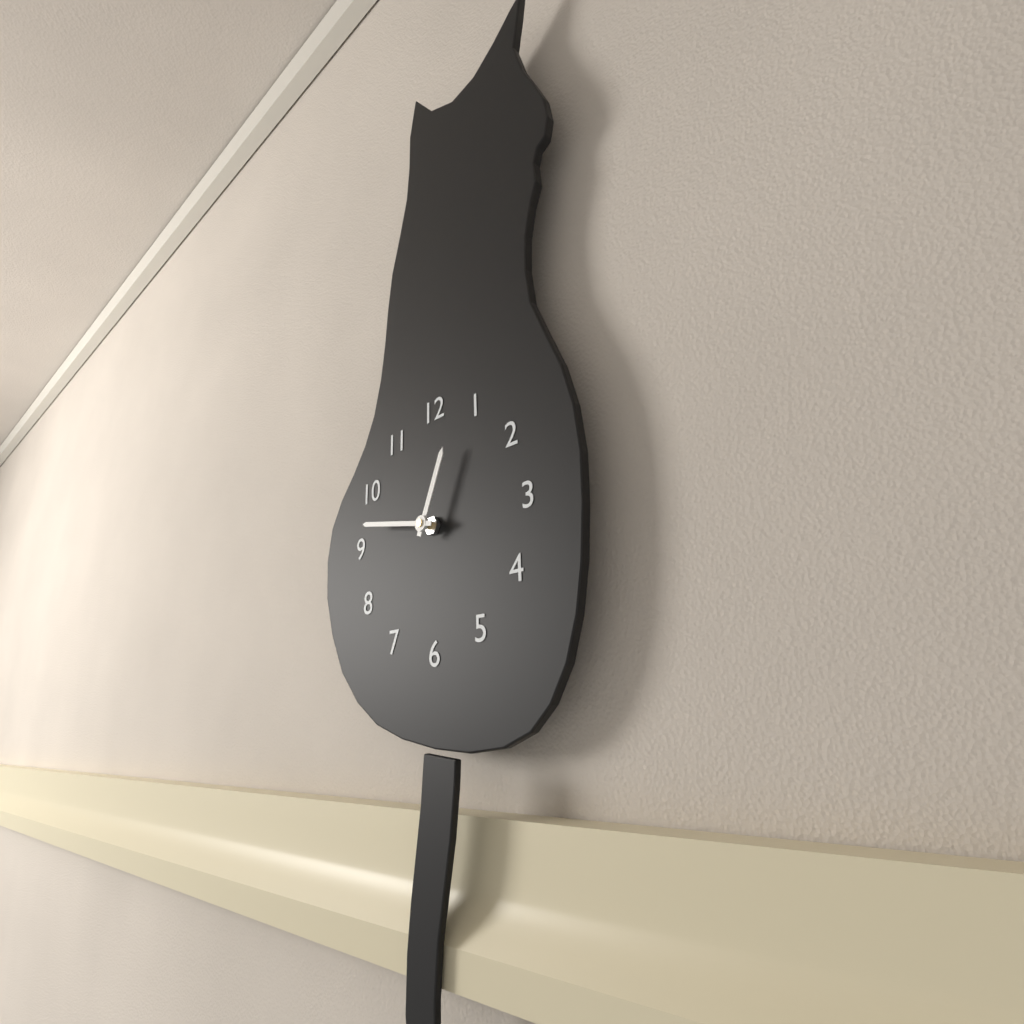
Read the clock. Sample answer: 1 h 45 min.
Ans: 12 h 47 min
